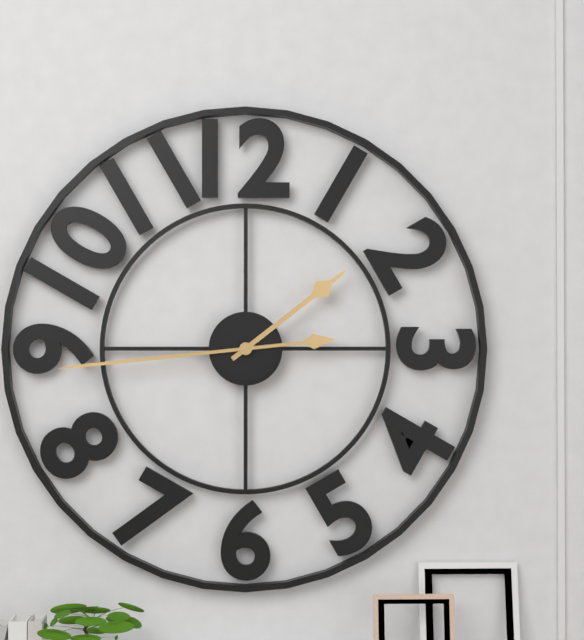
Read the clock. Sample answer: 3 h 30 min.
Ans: 1 h 44 min
